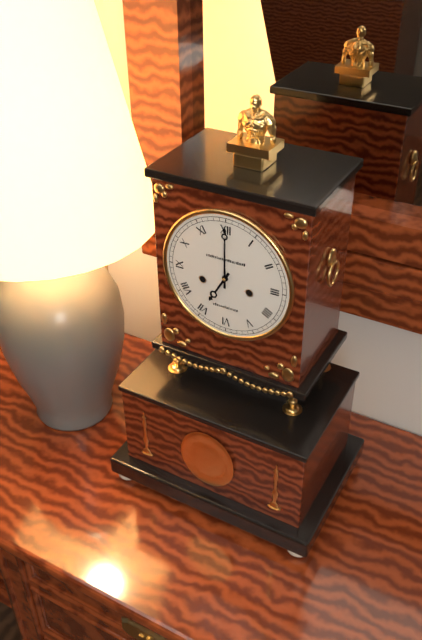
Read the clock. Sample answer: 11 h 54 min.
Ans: 7 h 00 min
